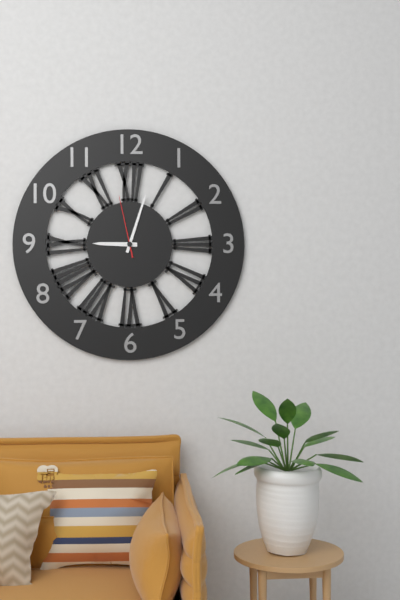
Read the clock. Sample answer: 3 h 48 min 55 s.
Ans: 9 h 03 min 58 s
